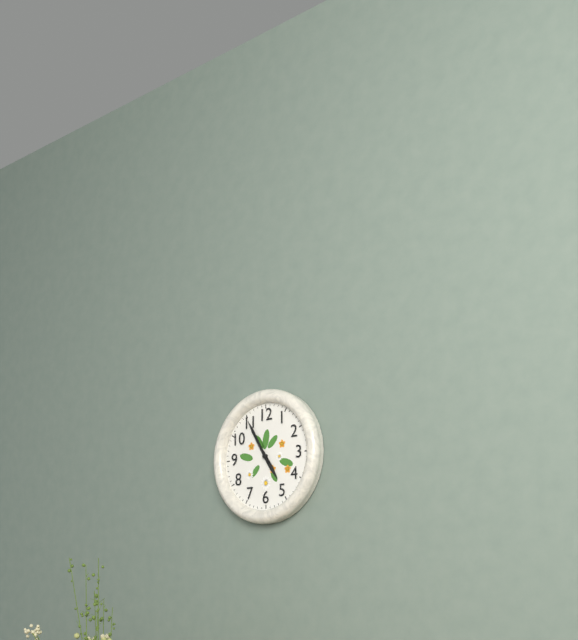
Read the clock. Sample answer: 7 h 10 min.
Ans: 4 h 55 min
